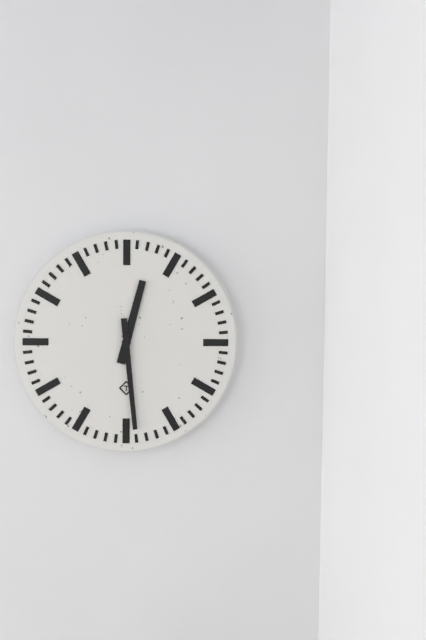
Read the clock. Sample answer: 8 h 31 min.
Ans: 12 h 29 min
